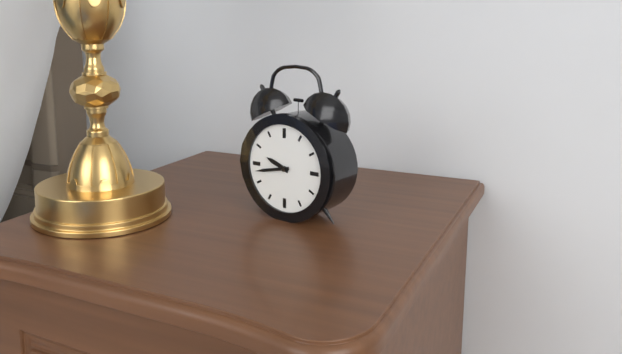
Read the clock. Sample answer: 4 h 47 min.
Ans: 9 h 43 min
